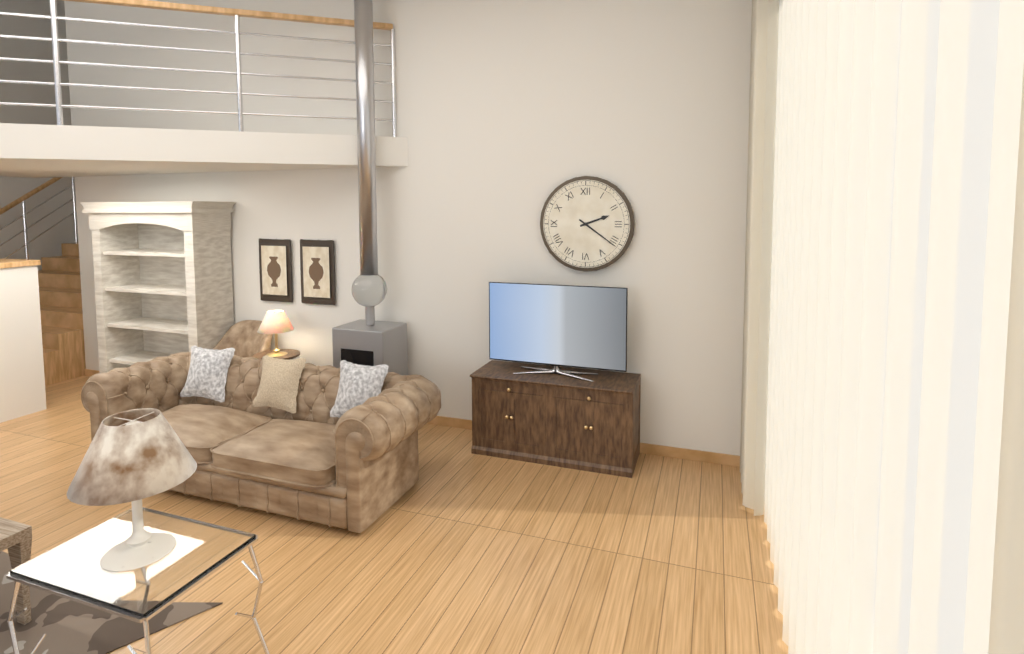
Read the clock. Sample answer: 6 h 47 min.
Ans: 2 h 21 min
